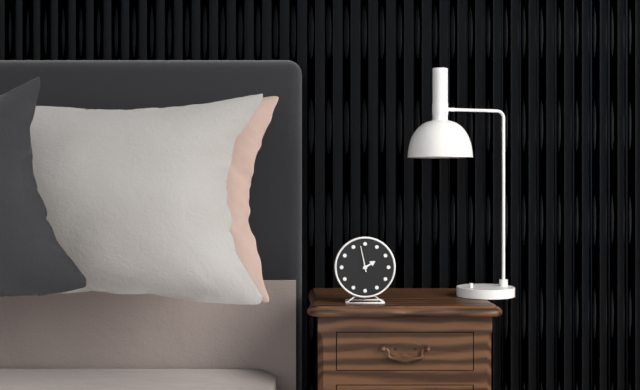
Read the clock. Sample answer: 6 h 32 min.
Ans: 1 h 58 min
